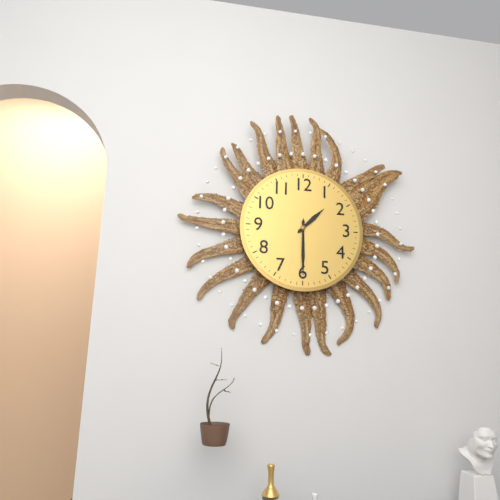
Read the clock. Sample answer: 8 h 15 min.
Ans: 1 h 30 min
